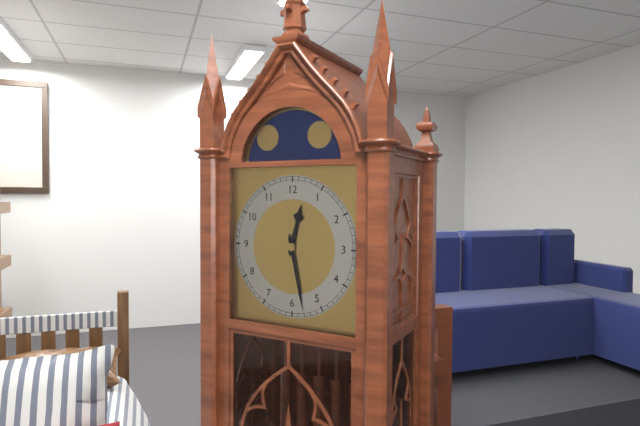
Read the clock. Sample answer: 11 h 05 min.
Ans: 12 h 28 min
